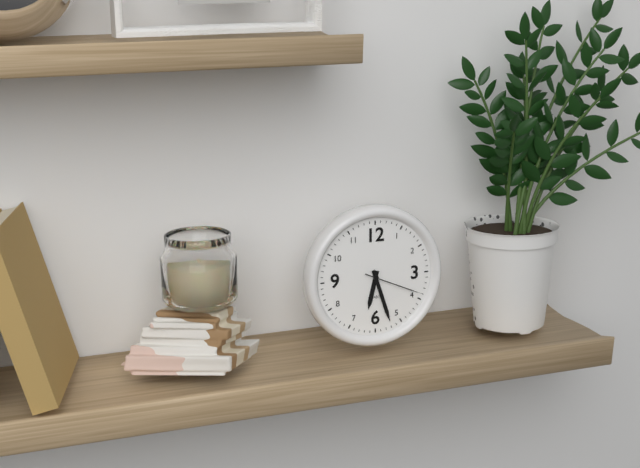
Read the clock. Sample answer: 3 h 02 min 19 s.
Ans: 6 h 27 min 19 s
